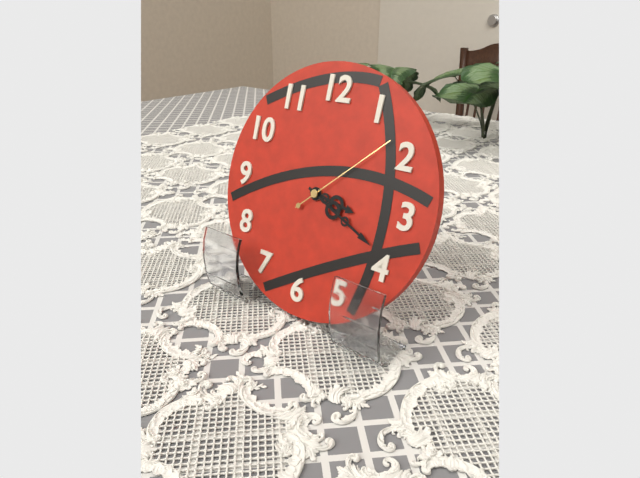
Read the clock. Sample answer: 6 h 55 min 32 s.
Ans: 3 h 19 min 08 s
